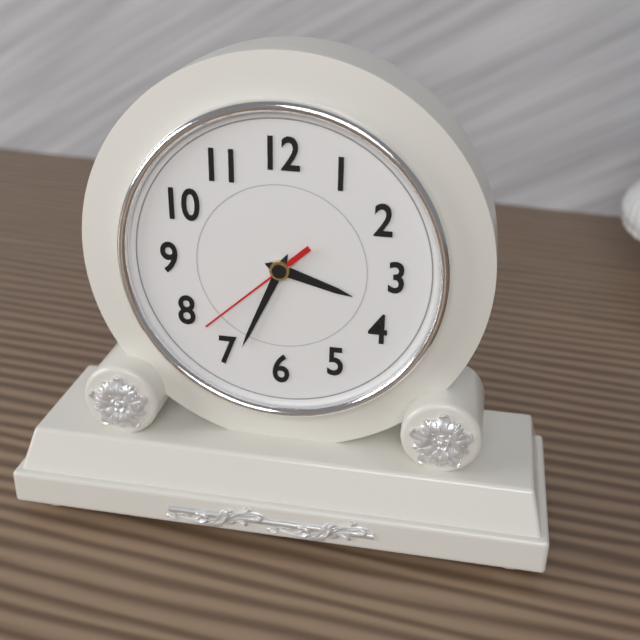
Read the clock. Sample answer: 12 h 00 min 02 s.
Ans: 3 h 34 min 38 s
